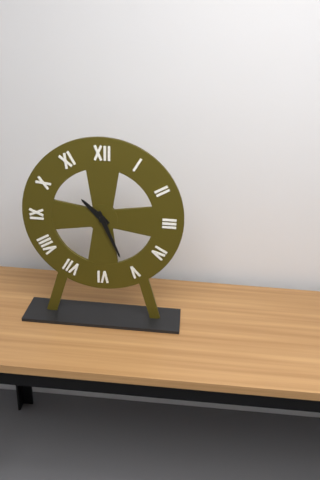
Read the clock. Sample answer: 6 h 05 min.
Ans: 10 h 26 min
